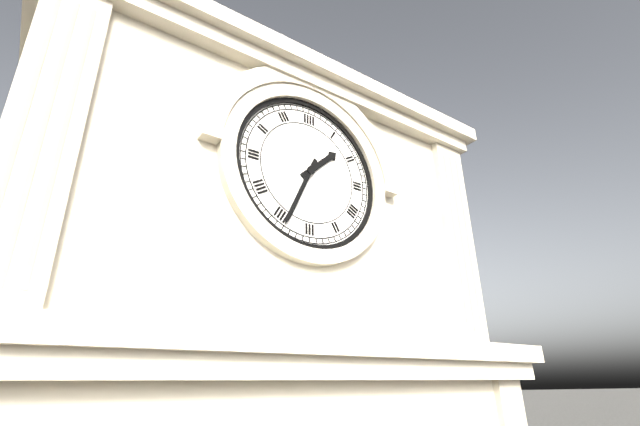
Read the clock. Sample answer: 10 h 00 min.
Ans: 1 h 34 min
